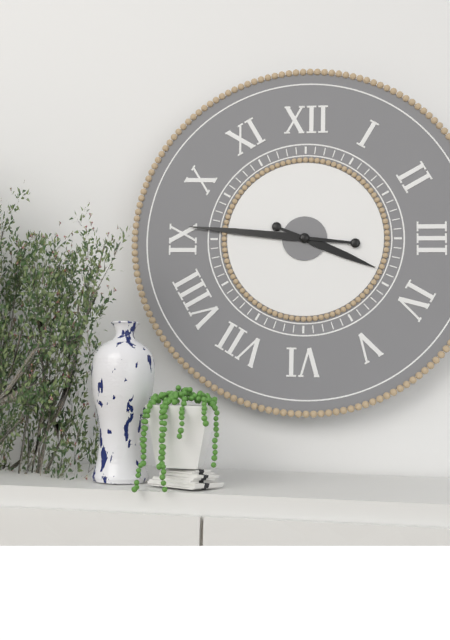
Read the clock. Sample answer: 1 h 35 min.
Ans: 3 h 46 min
